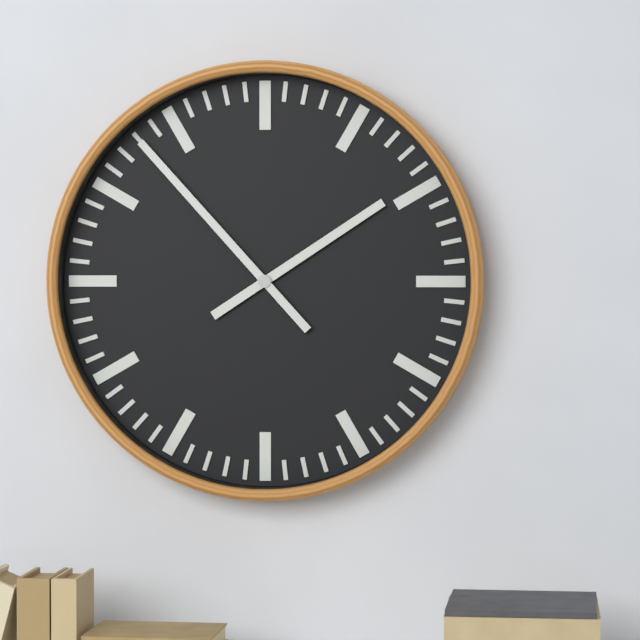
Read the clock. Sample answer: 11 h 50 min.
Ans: 1 h 53 min
